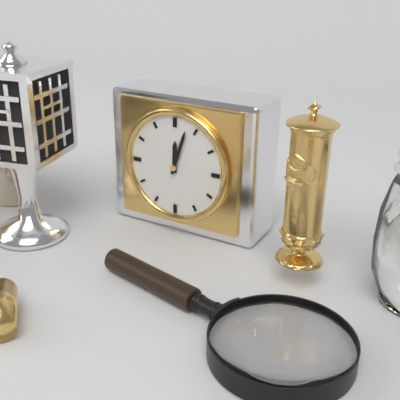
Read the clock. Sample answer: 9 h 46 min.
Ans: 12 h 03 min
